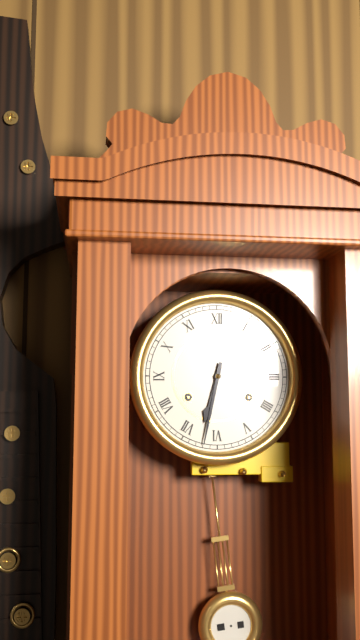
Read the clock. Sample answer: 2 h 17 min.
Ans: 6 h 32 min
